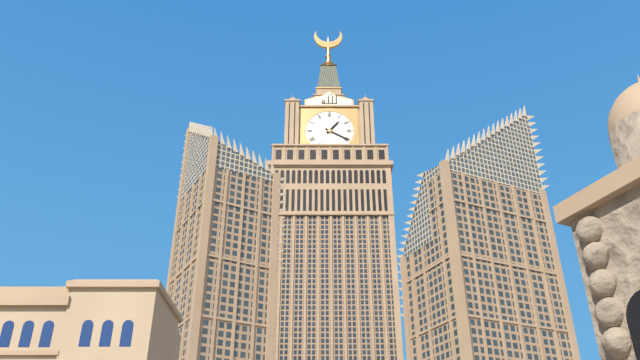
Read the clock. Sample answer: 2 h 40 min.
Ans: 1 h 20 min
